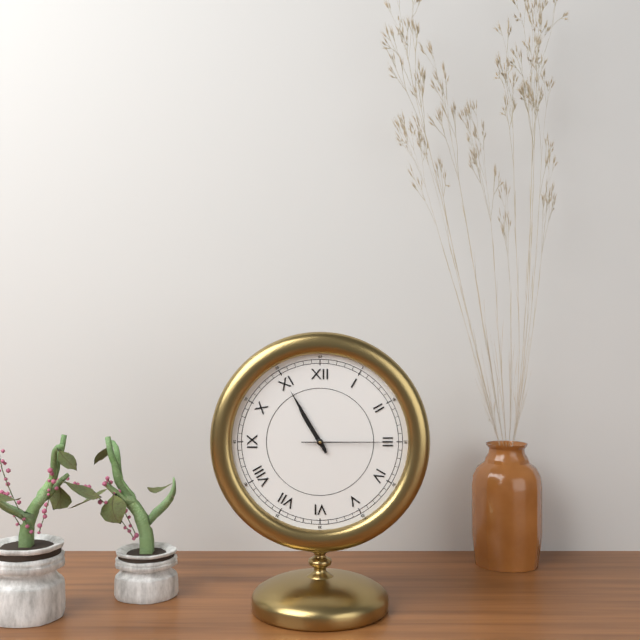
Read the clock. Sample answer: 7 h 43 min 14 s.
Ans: 10 h 55 min 15 s
